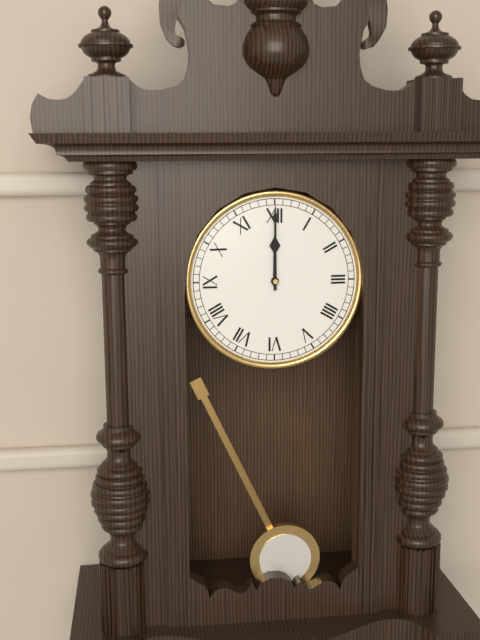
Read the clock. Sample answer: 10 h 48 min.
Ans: 12 h 00 min
